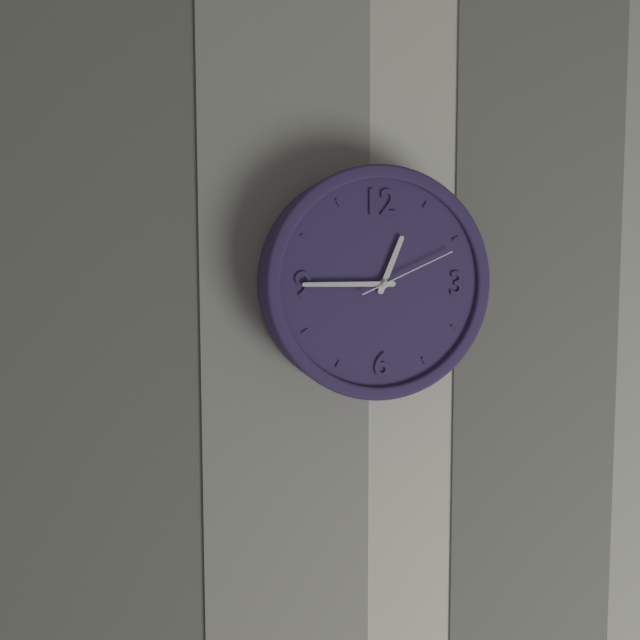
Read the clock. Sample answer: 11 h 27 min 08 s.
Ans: 12 h 45 min 11 s
